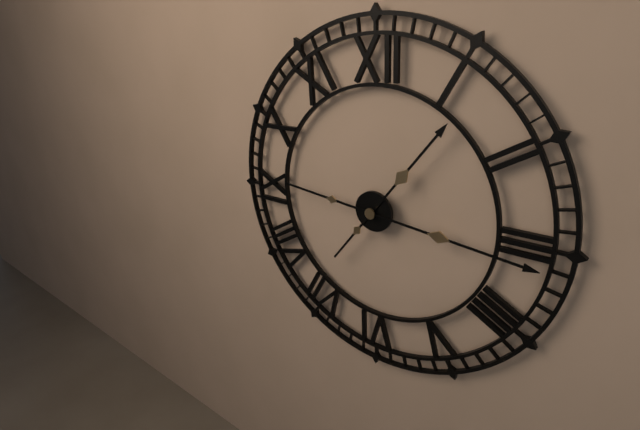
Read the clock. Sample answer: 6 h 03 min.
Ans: 1 h 16 min
